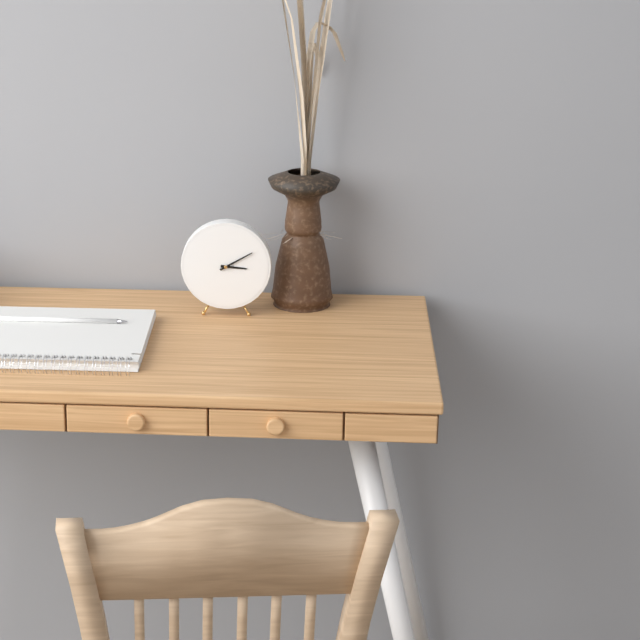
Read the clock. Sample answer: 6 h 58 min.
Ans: 3 h 10 min
